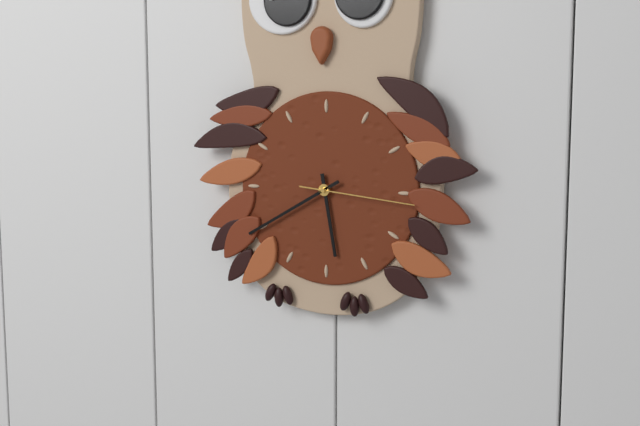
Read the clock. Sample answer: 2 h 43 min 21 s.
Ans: 5 h 40 min 16 s
